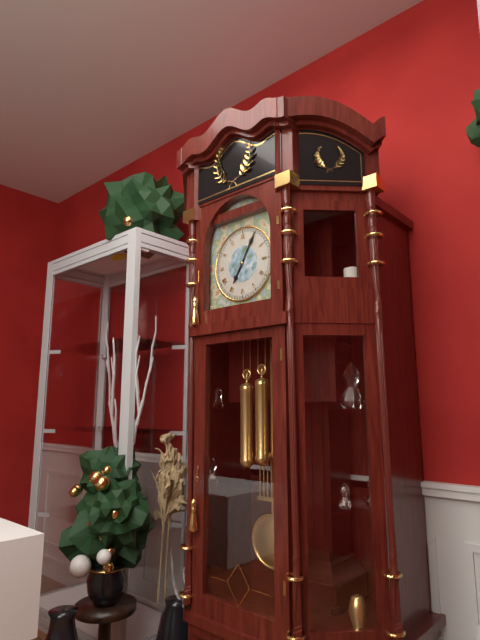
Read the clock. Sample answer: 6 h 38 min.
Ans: 7 h 05 min
